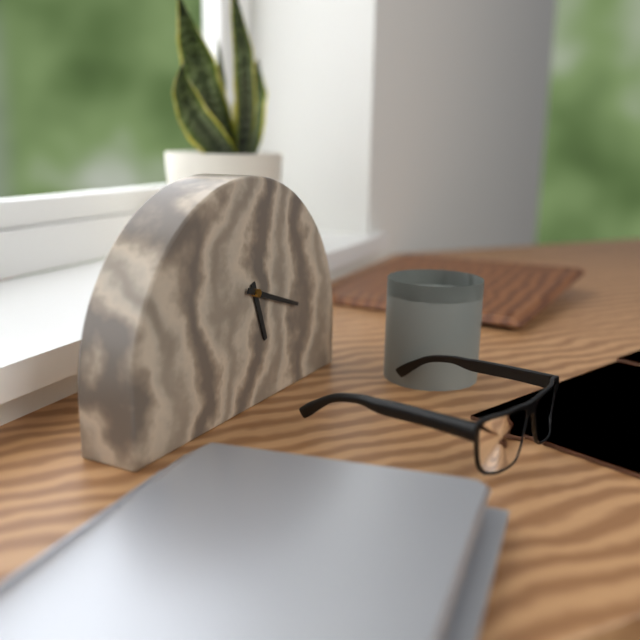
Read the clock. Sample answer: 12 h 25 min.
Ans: 5 h 18 min
